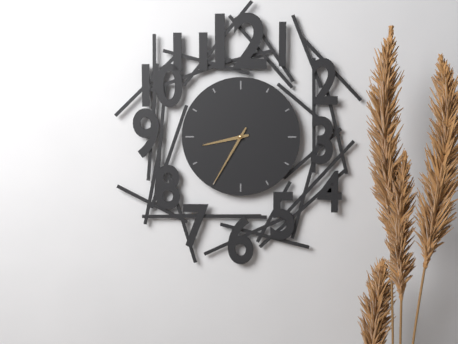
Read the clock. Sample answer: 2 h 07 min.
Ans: 8 h 35 min
